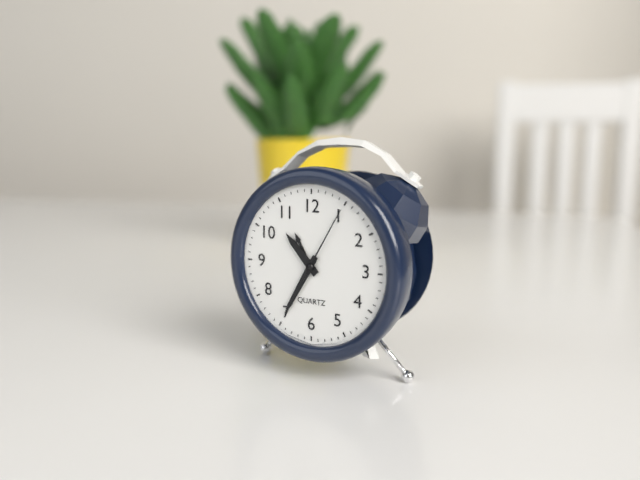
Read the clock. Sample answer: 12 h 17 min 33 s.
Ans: 10 h 35 min 05 s
